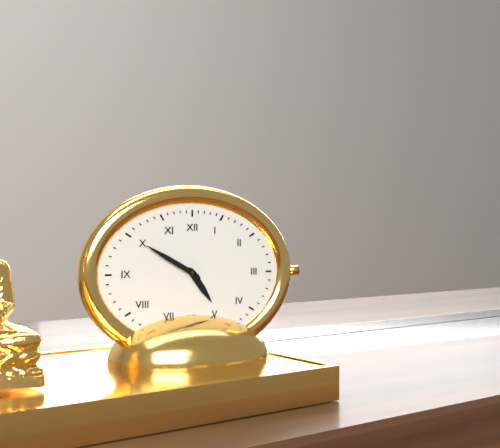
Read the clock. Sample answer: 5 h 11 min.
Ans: 4 h 50 min
